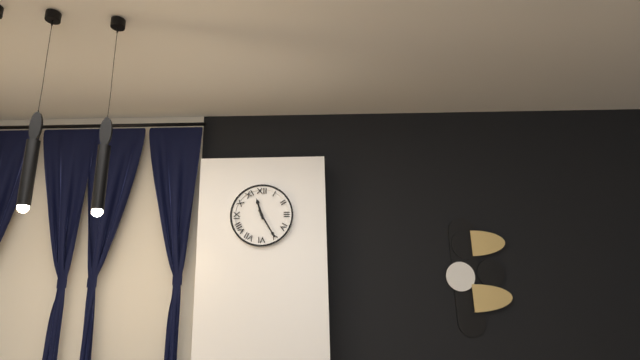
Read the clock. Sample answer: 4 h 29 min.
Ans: 11 h 25 min
